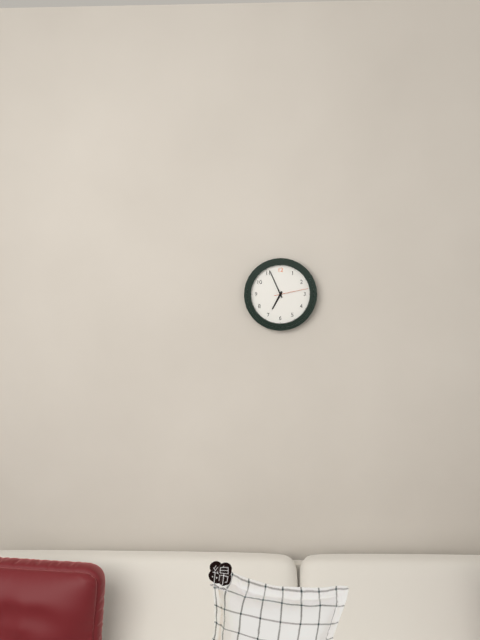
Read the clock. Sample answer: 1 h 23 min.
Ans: 6 h 56 min
